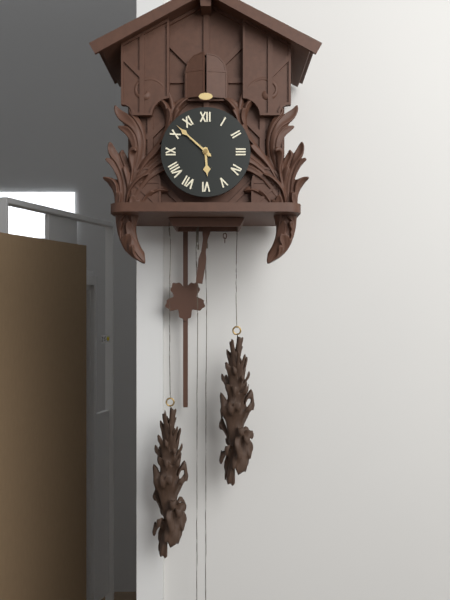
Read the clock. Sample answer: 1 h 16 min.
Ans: 5 h 52 min
